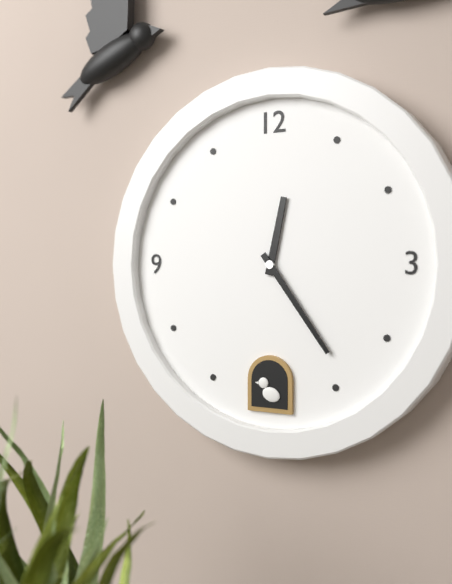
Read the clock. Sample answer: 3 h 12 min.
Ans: 12 h 24 min
